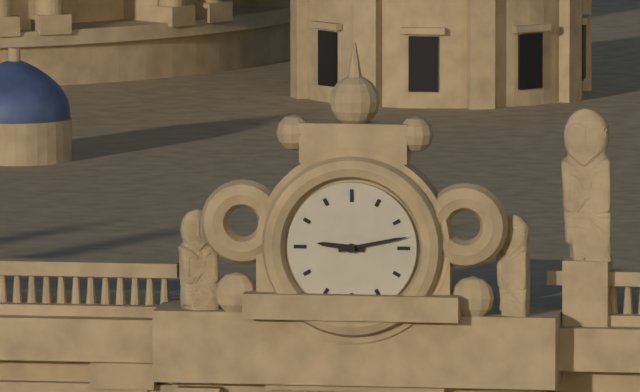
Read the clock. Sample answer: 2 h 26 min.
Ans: 9 h 13 min
